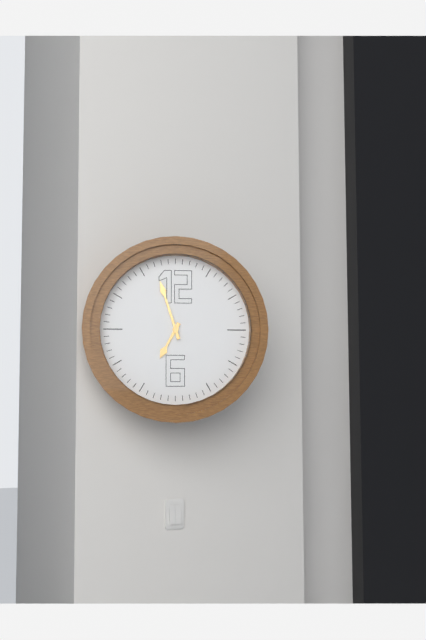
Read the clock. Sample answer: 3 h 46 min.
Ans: 6 h 57 min
